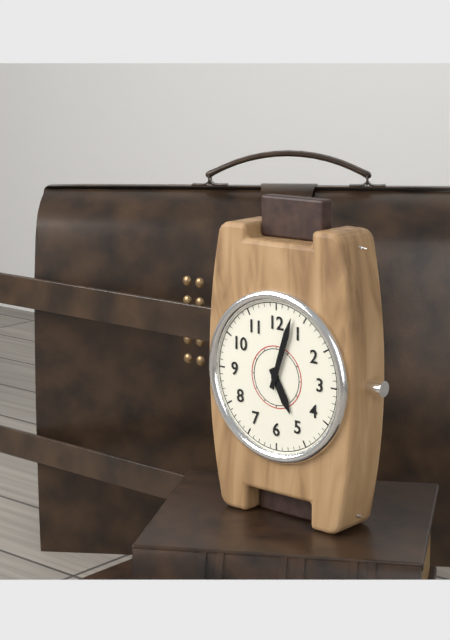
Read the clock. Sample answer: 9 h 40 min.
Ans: 5 h 03 min
